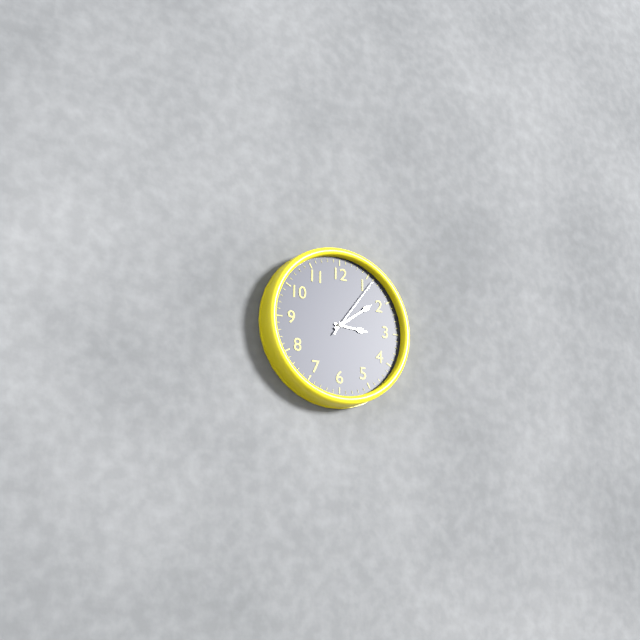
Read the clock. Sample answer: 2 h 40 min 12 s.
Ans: 3 h 09 min 06 s
